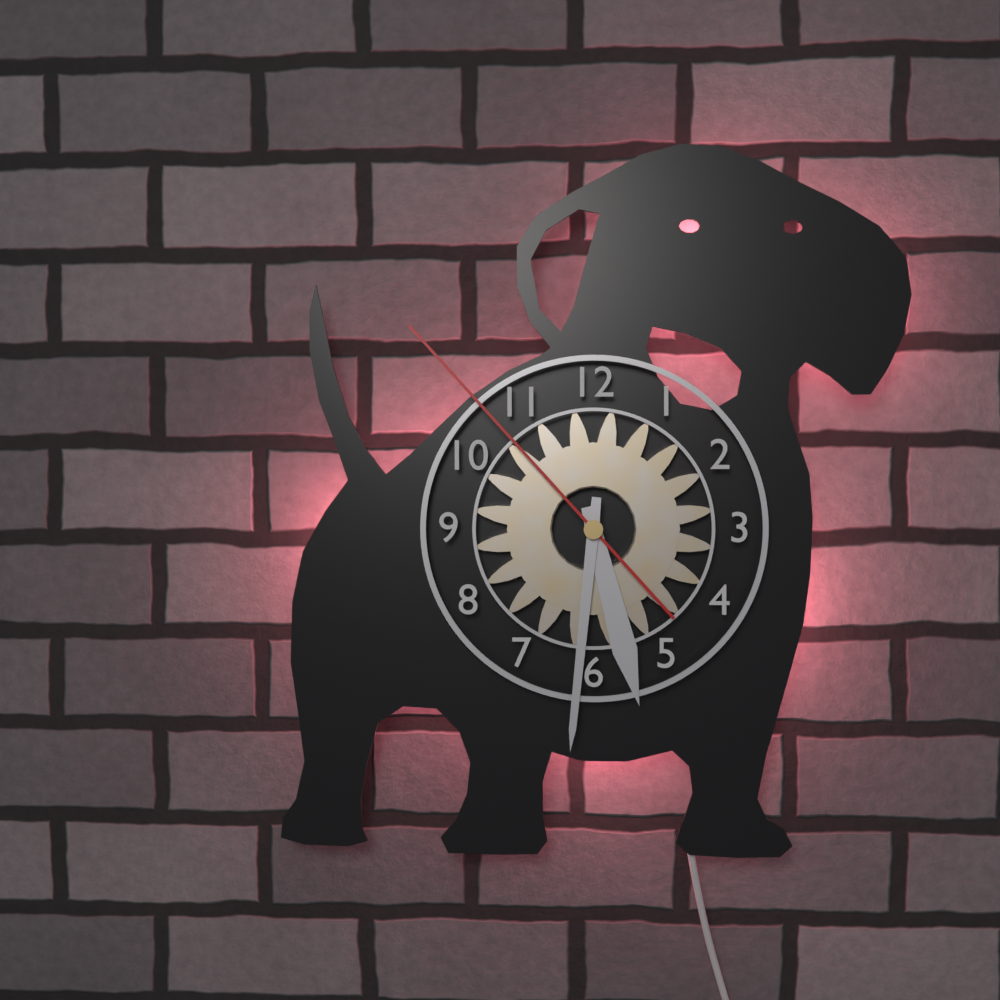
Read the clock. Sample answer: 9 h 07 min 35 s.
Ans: 5 h 31 min 53 s
